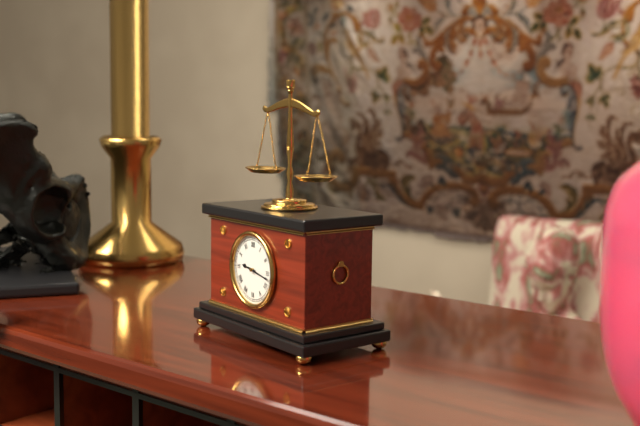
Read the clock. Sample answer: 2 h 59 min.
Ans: 9 h 17 min
